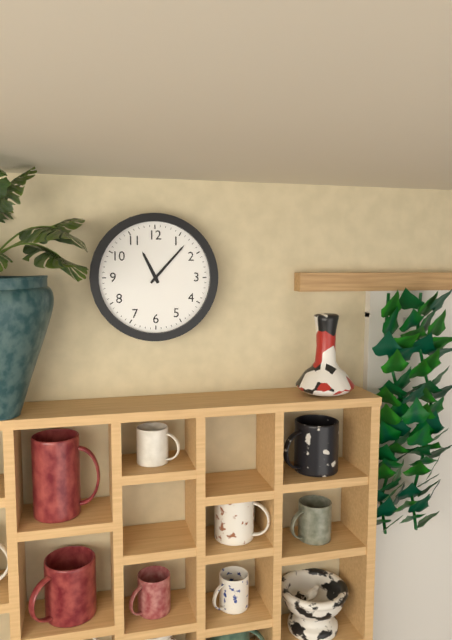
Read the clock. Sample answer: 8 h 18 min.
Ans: 11 h 07 min
